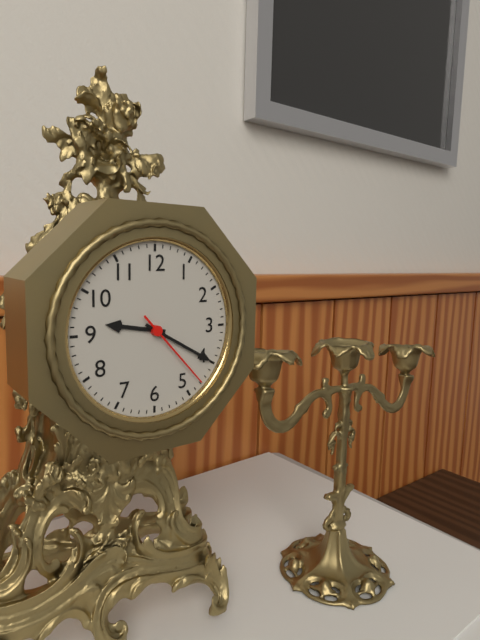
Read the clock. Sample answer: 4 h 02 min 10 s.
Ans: 9 h 20 min 23 s
